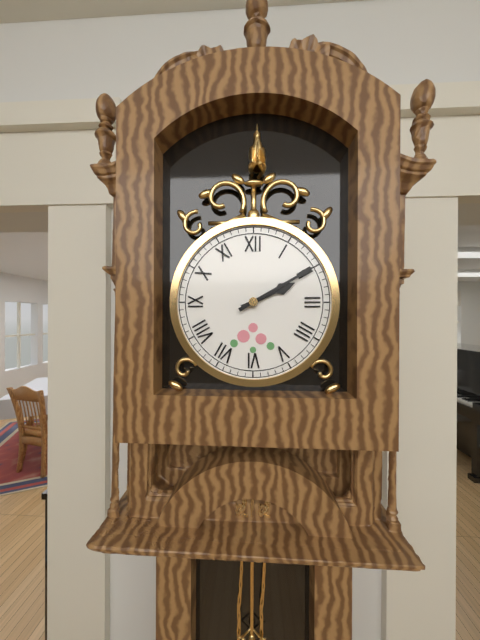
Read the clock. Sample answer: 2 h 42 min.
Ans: 2 h 10 min
